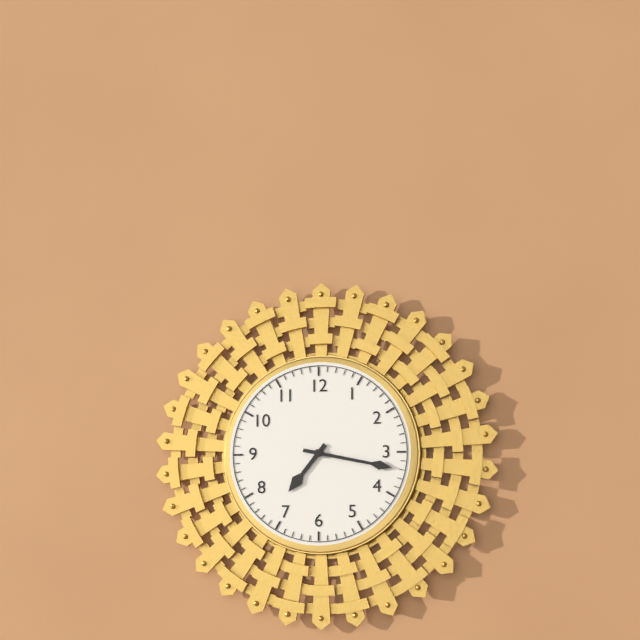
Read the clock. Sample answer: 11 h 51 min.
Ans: 7 h 17 min
